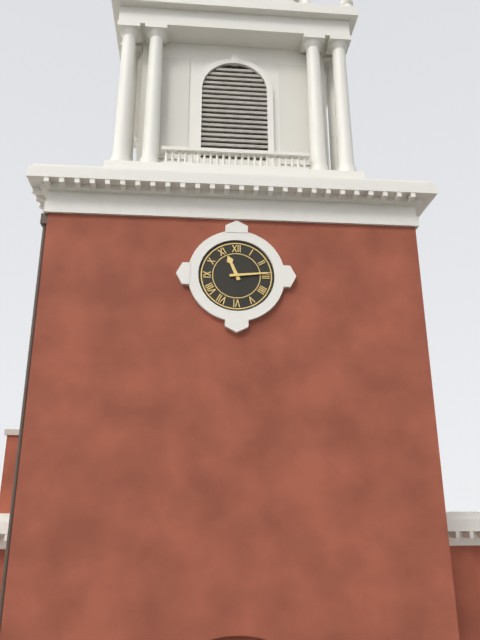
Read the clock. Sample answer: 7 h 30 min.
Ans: 11 h 14 min
